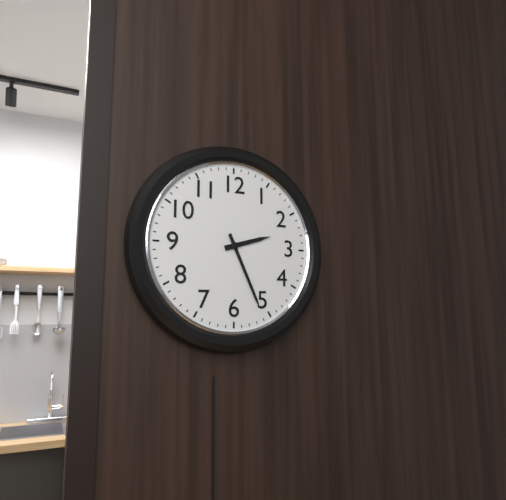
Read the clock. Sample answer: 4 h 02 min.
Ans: 2 h 26 min
